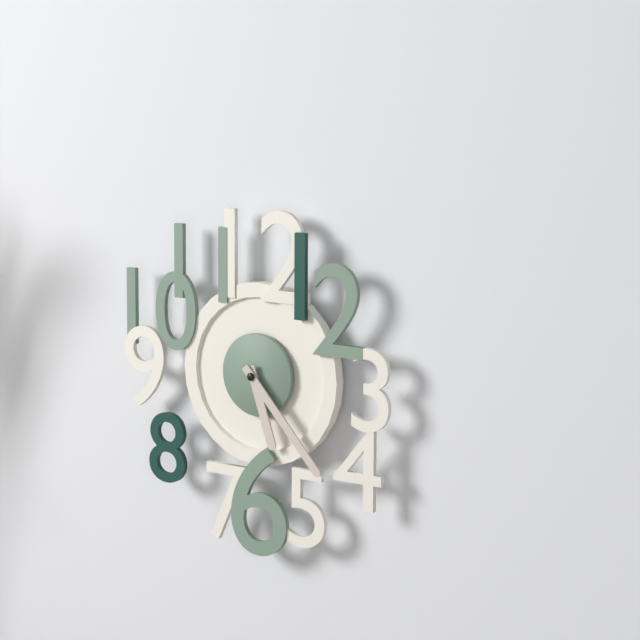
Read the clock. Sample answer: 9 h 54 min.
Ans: 5 h 23 min
